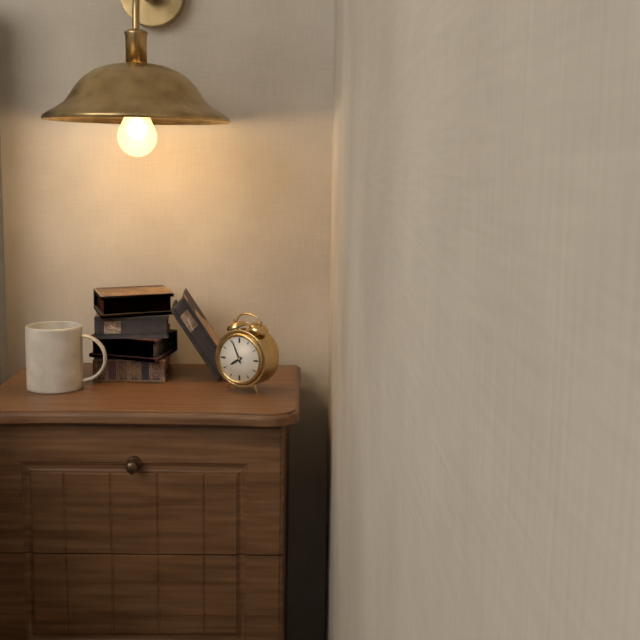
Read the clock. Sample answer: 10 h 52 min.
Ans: 7 h 56 min
